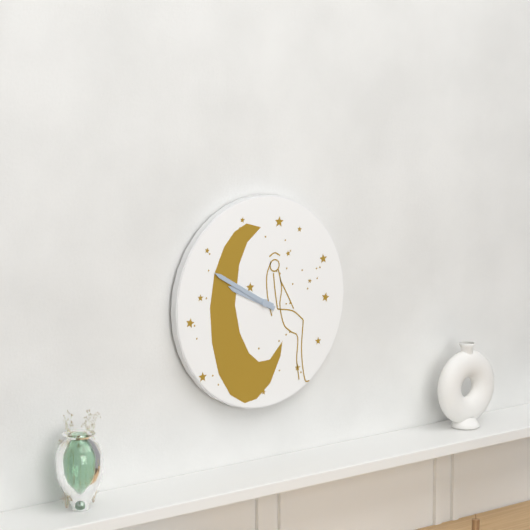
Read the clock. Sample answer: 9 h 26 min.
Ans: 9 h 50 min
